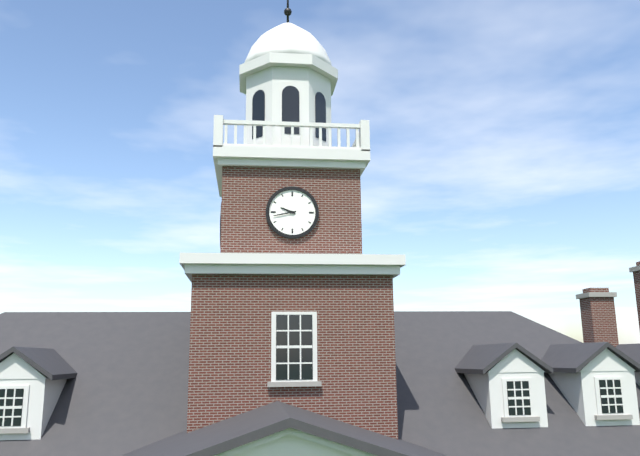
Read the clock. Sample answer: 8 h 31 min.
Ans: 9 h 43 min
